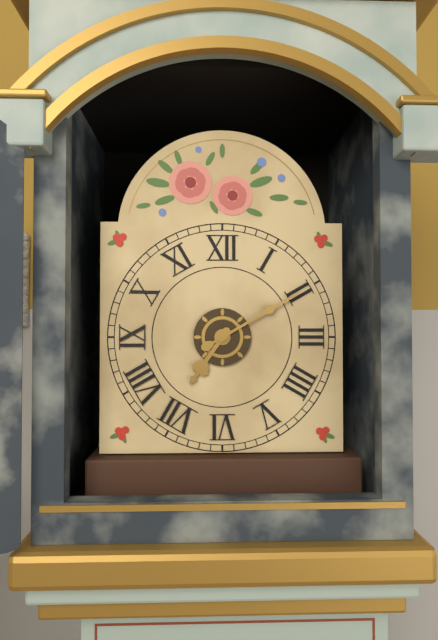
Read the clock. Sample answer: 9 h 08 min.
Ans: 7 h 10 min
